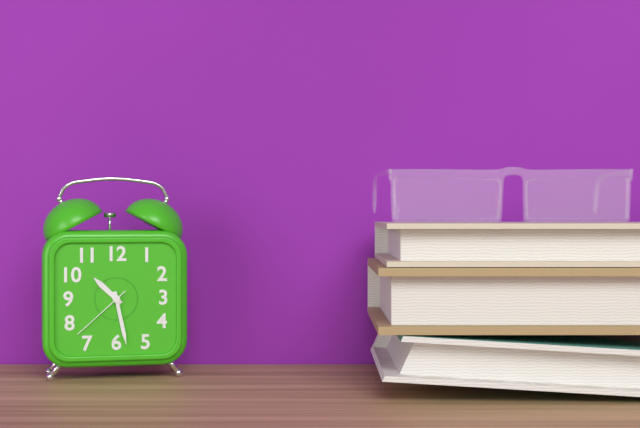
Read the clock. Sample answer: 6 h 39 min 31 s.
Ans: 10 h 28 min 38 s
